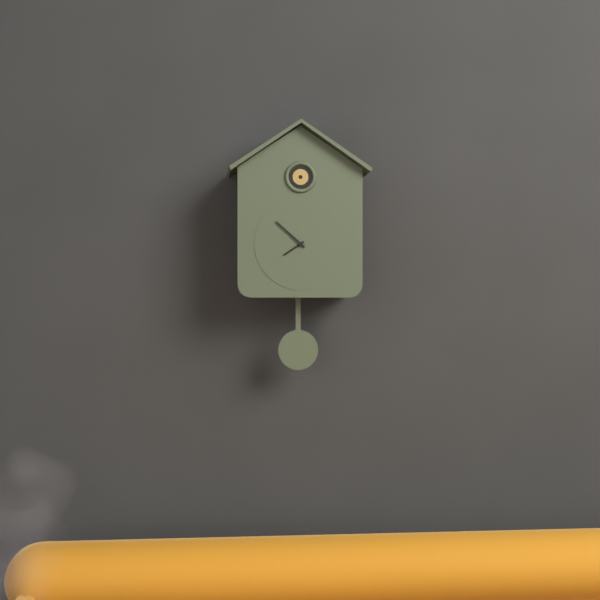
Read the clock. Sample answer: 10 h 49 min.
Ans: 7 h 52 min
